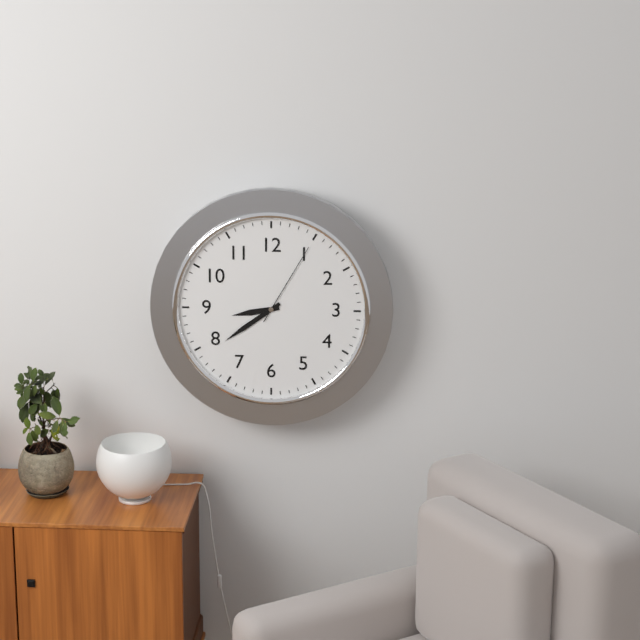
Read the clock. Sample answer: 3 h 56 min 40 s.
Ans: 8 h 39 min 05 s
